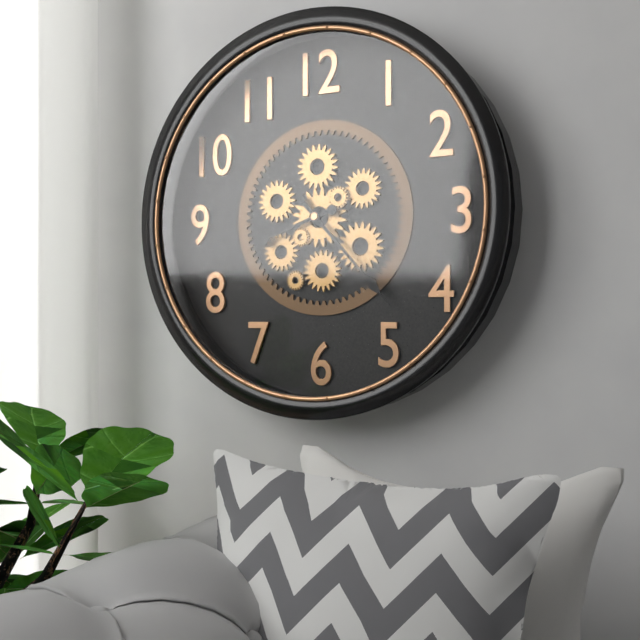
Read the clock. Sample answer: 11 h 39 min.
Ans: 8 h 23 min
